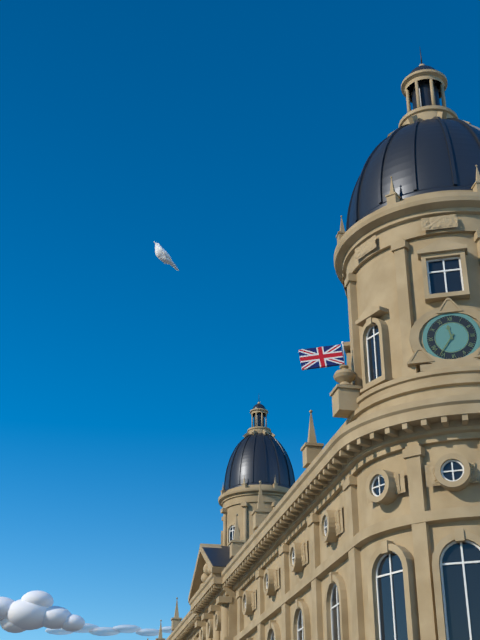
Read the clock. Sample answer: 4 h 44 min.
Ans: 11 h 36 min
